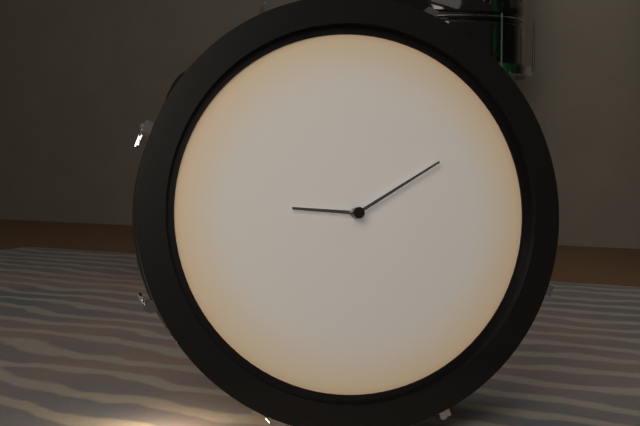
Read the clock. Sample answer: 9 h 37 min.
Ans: 9 h 10 min
